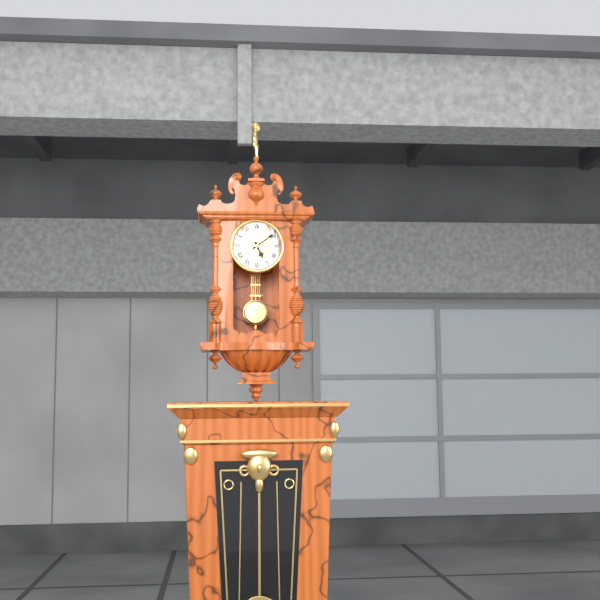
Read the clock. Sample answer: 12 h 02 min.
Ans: 5 h 09 min
